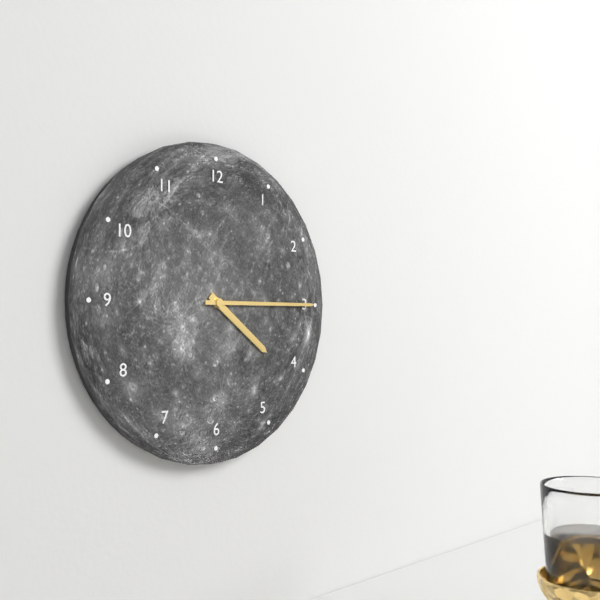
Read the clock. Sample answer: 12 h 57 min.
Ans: 4 h 15 min
